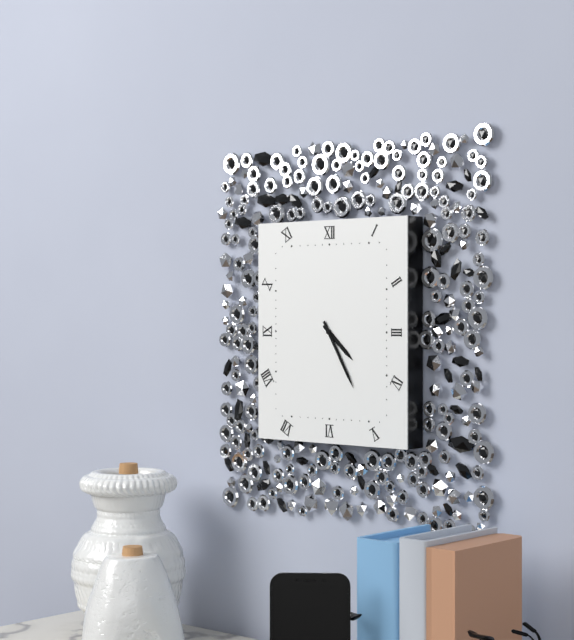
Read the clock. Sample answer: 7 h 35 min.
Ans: 4 h 25 min
